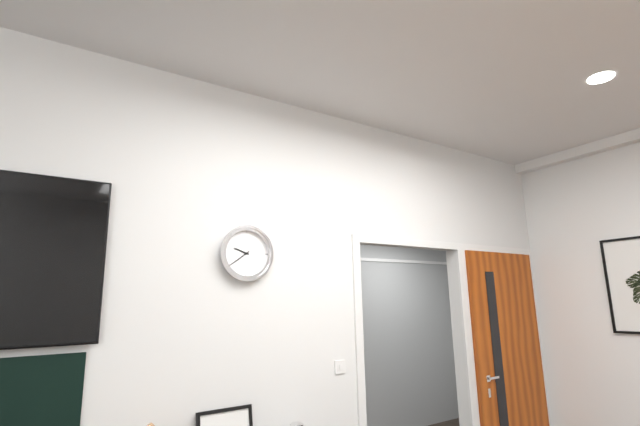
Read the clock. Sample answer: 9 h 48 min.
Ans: 9 h 39 min
